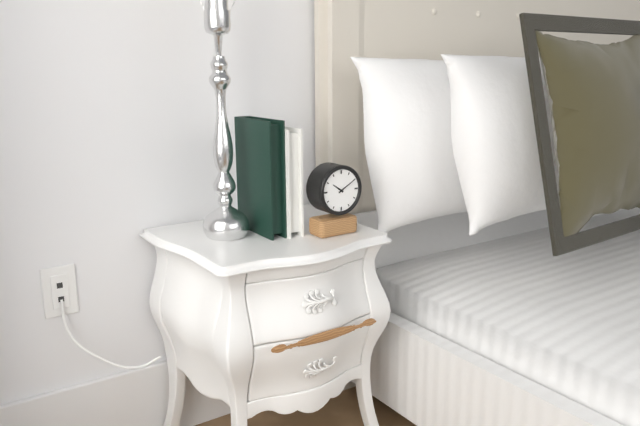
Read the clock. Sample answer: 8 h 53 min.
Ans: 10 h 10 min
